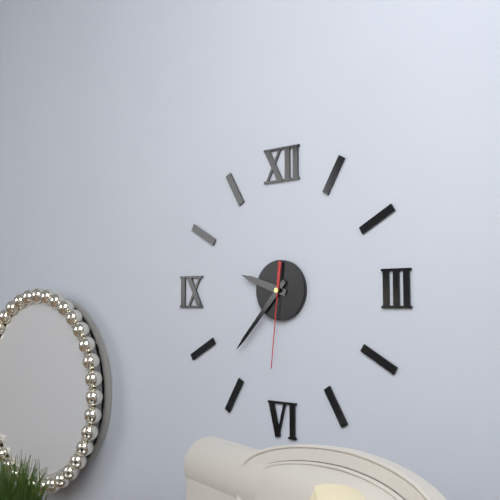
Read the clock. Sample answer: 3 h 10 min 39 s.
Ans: 9 h 37 min 31 s
